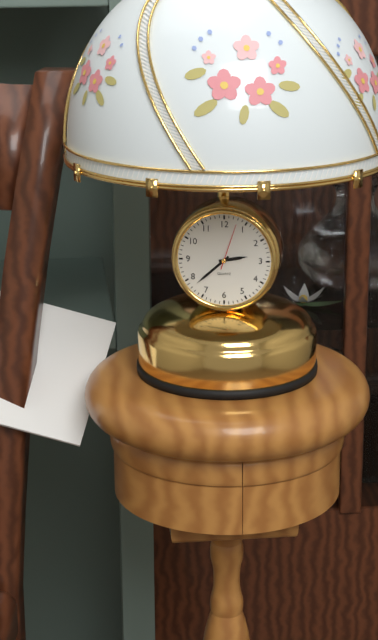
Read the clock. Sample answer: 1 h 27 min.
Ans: 2 h 38 min
